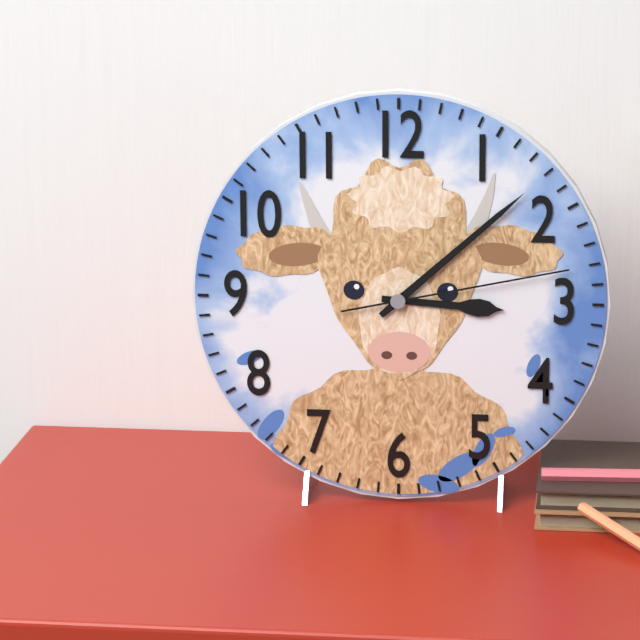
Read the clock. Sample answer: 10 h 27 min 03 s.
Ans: 3 h 08 min 13 s
